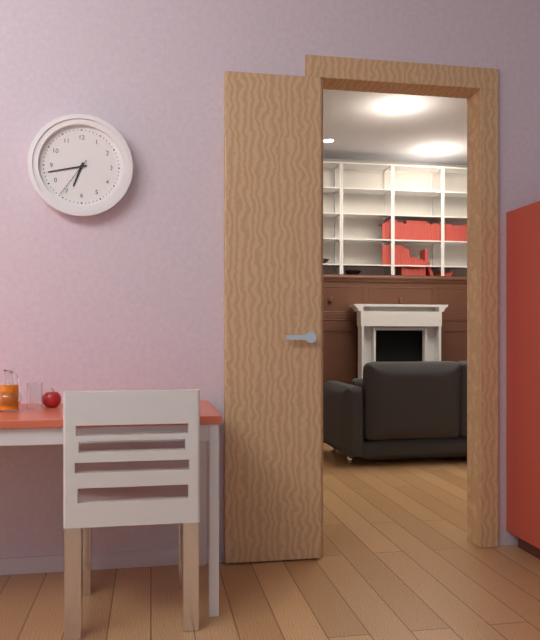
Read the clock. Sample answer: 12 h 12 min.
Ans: 6 h 43 min
